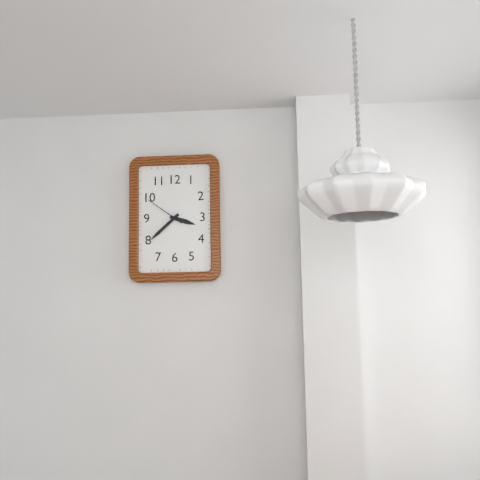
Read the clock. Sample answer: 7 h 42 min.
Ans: 3 h 38 min
